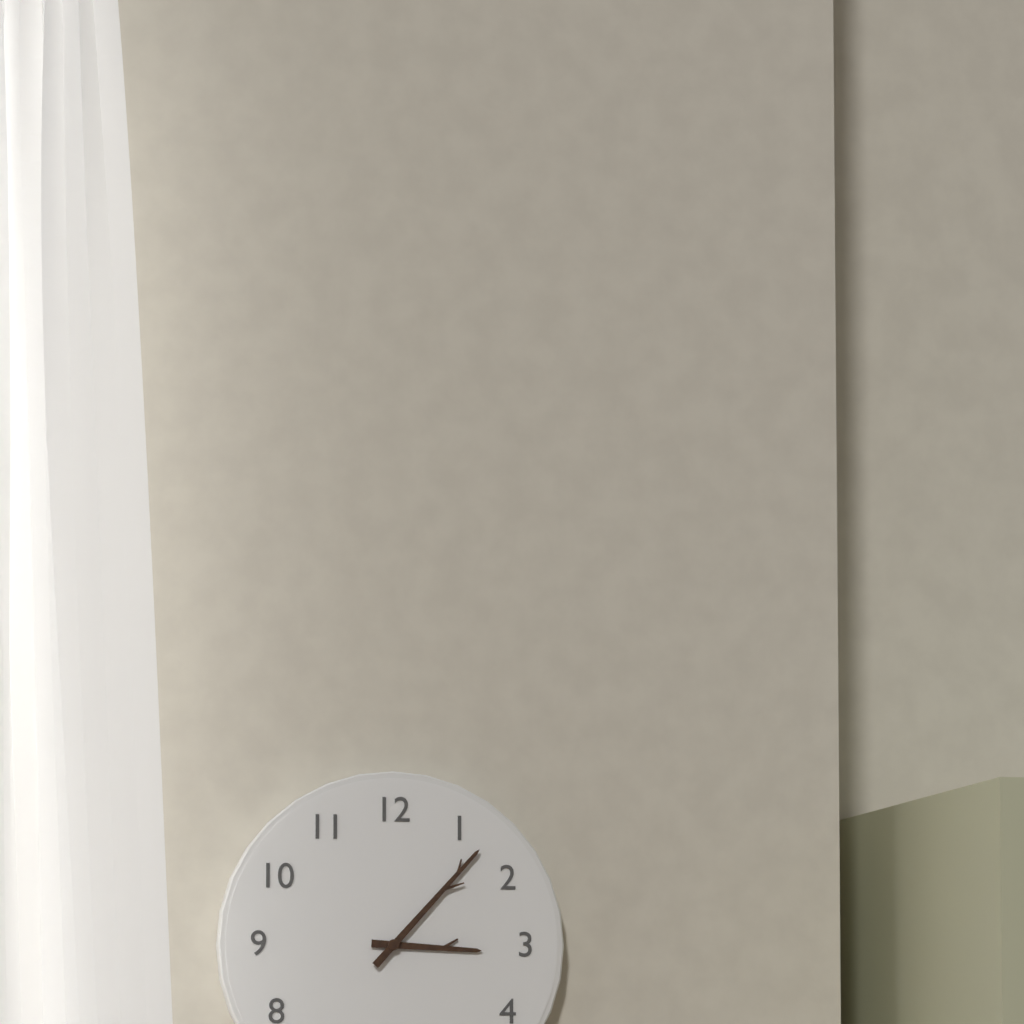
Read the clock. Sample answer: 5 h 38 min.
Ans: 3 h 07 min
